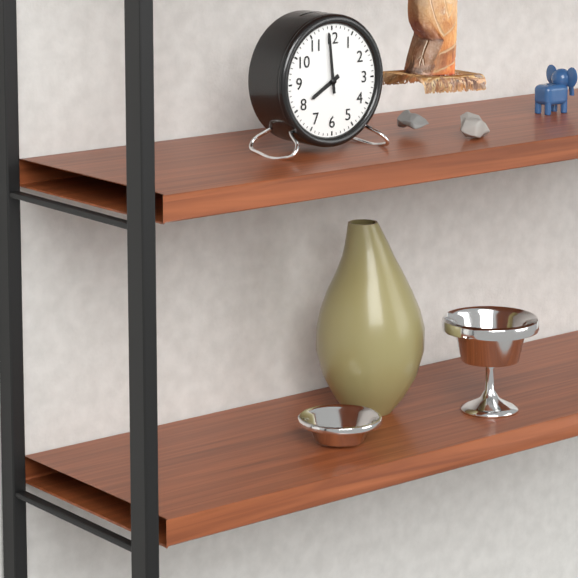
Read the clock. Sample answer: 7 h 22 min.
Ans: 7 h 59 min
